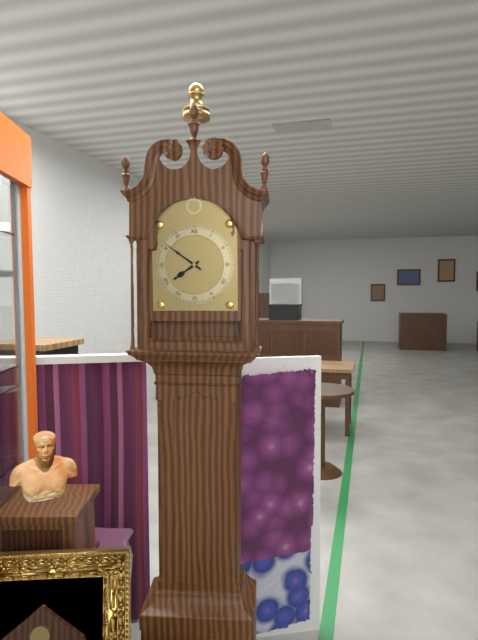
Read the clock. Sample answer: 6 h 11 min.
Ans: 7 h 51 min
